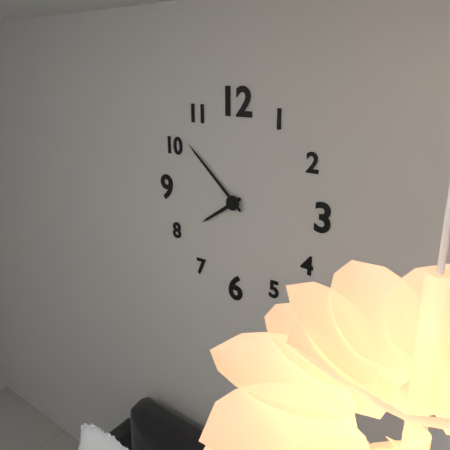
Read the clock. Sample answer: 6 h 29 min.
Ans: 7 h 52 min
